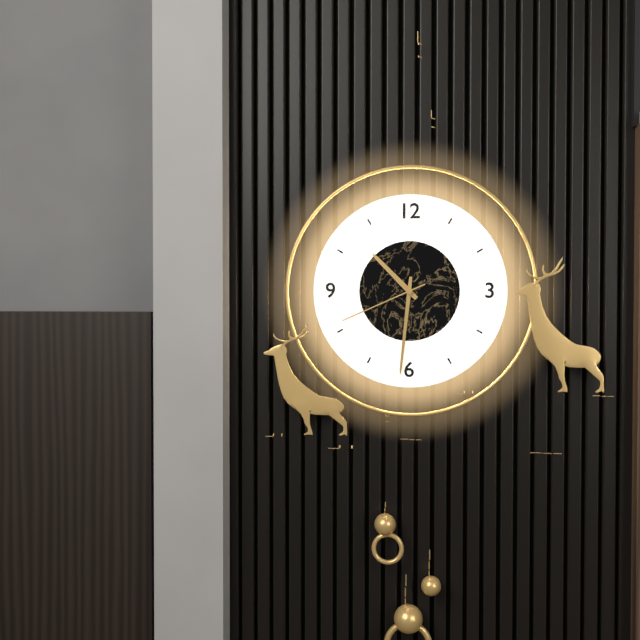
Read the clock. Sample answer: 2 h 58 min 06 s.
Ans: 10 h 31 min 41 s
